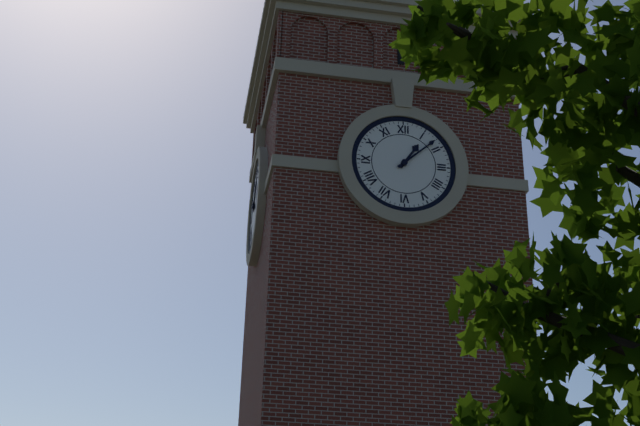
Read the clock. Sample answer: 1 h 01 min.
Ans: 1 h 08 min
